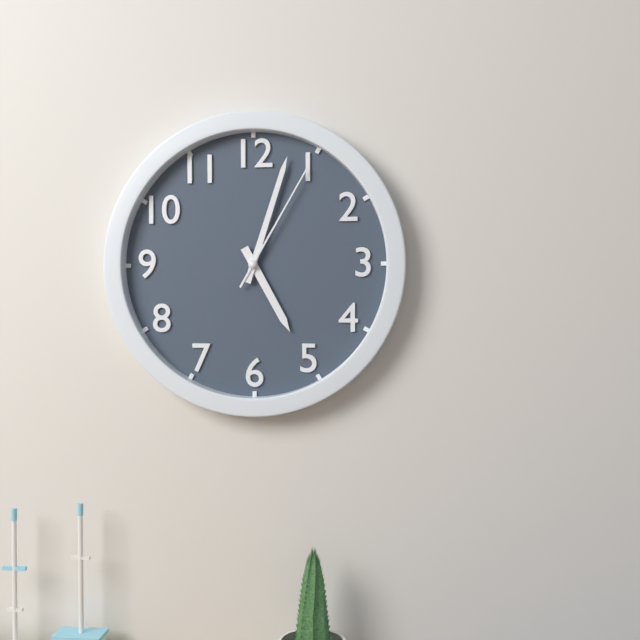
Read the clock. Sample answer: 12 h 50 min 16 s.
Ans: 5 h 03 min 05 s
